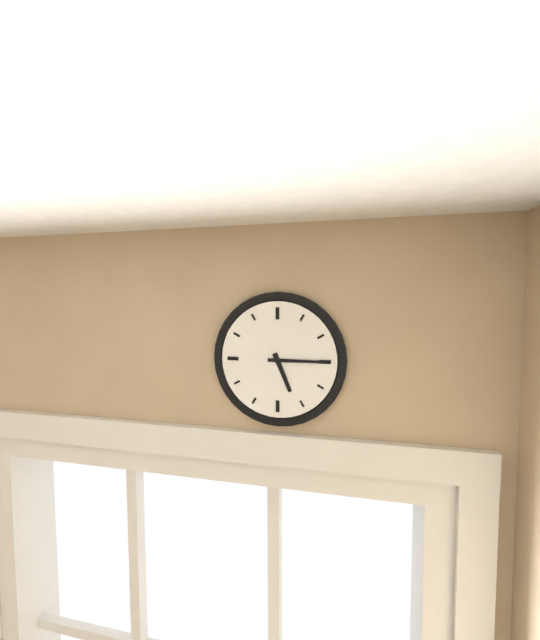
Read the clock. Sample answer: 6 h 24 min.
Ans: 5 h 15 min
